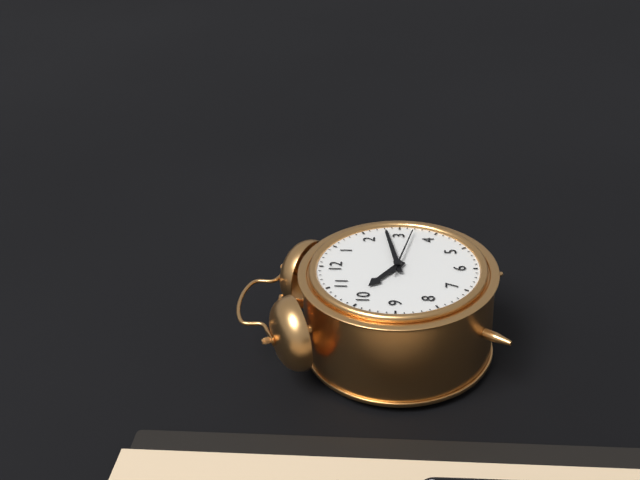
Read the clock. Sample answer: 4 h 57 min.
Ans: 10 h 13 min
